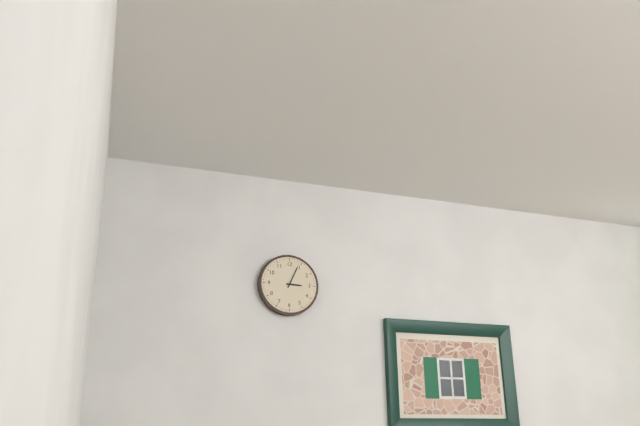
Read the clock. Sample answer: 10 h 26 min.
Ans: 3 h 04 min
